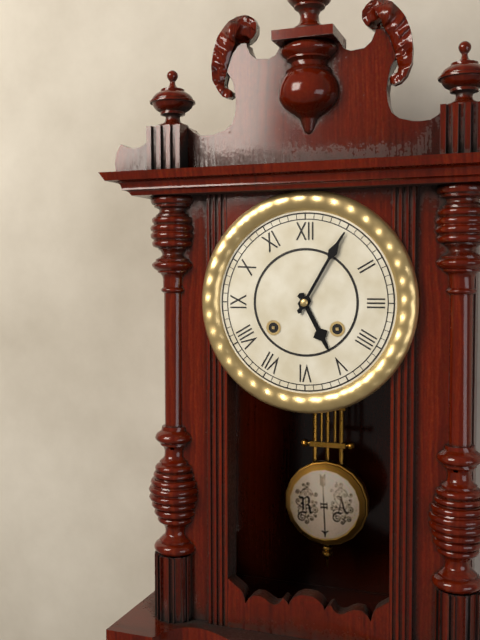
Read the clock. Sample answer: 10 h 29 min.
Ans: 5 h 05 min
